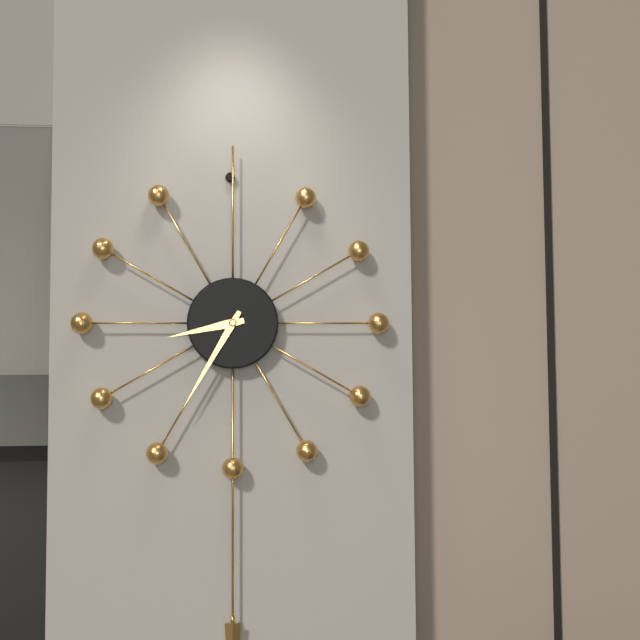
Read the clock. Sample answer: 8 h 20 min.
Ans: 8 h 35 min
